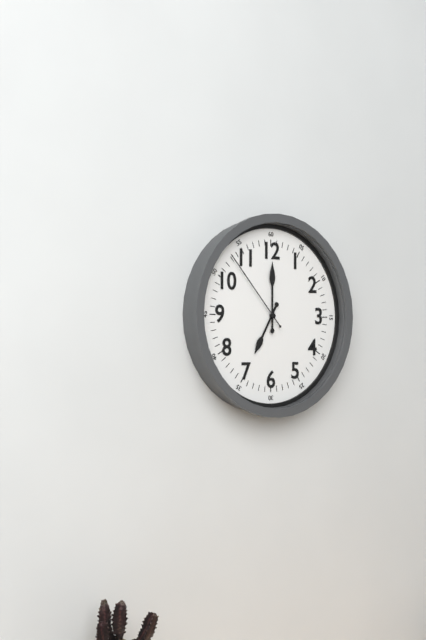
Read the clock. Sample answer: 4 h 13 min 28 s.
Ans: 7 h 00 min 53 s
